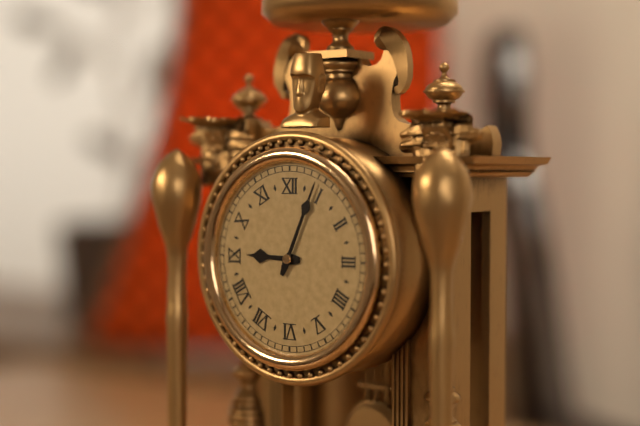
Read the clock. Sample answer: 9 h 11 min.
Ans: 9 h 04 min
